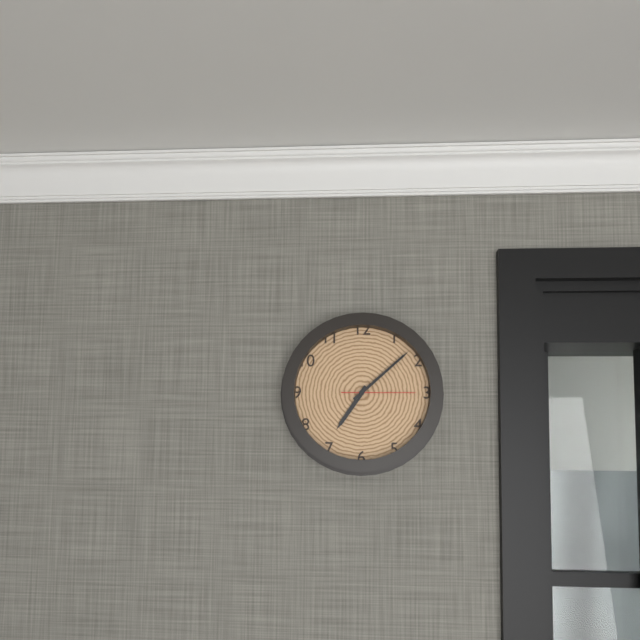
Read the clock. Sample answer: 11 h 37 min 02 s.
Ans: 7 h 08 min 15 s
